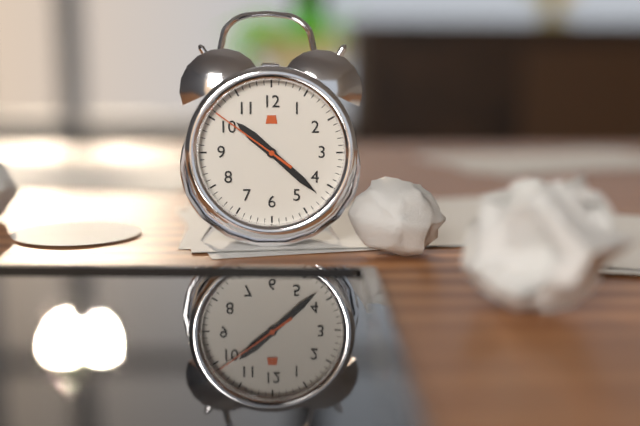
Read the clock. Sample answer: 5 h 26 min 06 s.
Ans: 10 h 22 min 51 s
